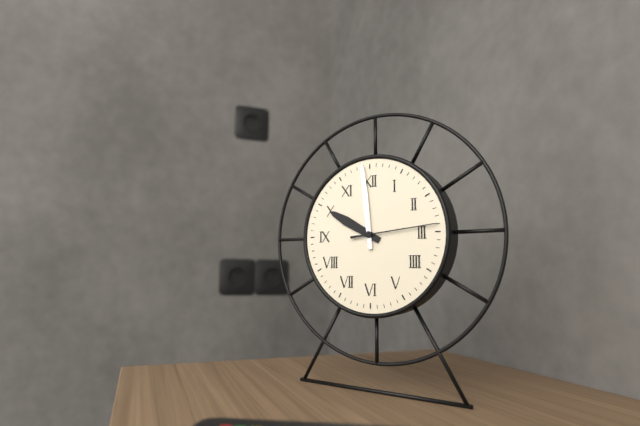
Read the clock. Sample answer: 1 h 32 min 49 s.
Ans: 9 h 59 min 14 s
